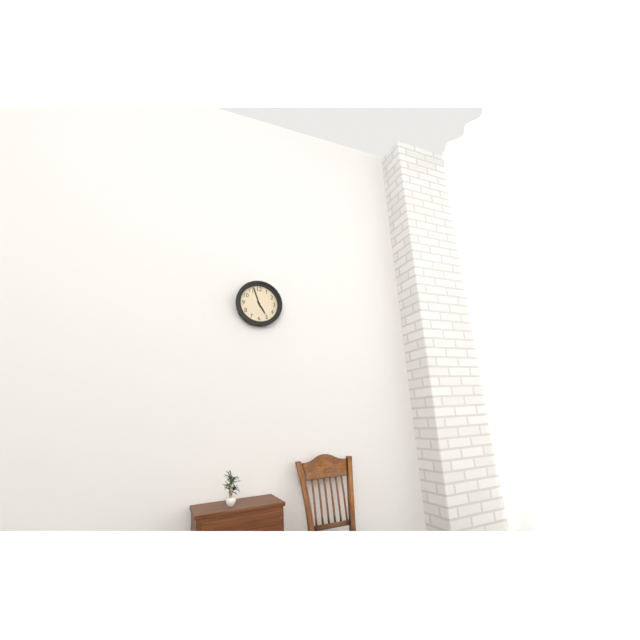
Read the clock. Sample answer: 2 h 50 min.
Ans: 4 h 57 min
